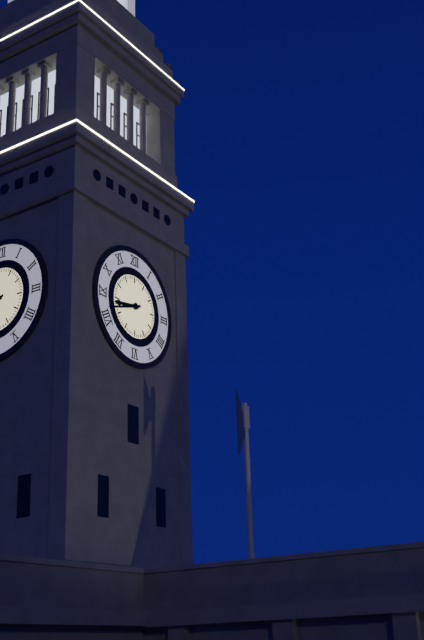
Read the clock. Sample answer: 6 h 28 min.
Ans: 8 h 42 min
